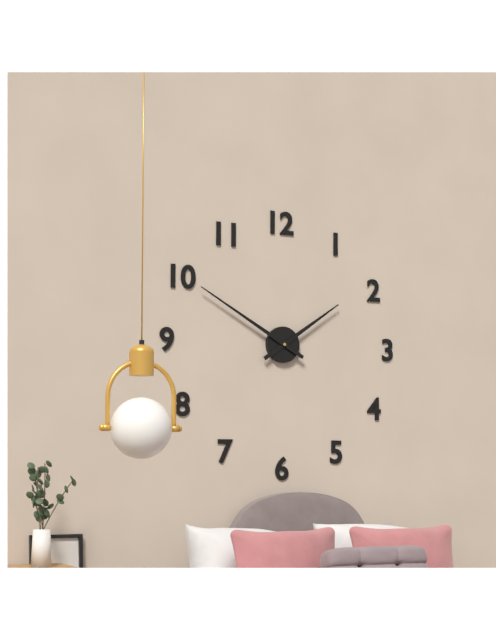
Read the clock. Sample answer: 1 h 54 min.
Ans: 1 h 50 min
